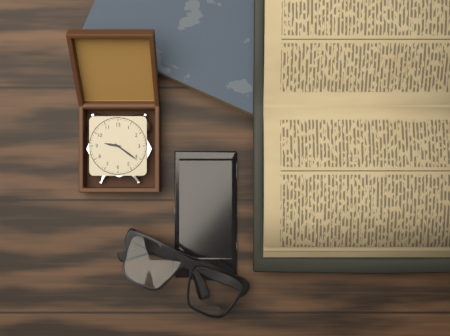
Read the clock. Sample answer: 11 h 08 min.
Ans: 9 h 21 min
